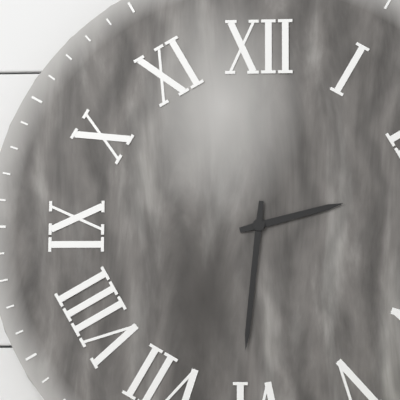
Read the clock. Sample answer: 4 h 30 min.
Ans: 2 h 31 min
